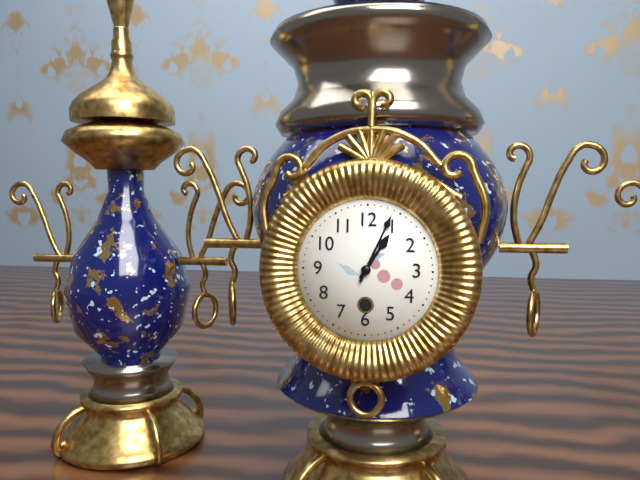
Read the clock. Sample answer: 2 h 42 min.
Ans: 1 h 04 min
